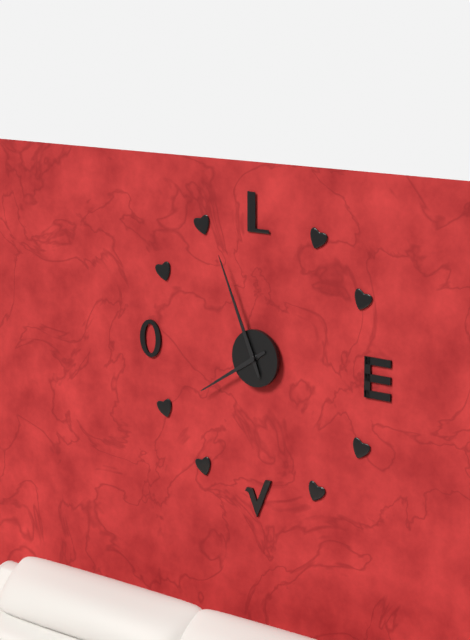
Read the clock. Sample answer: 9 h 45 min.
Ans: 7 h 56 min
